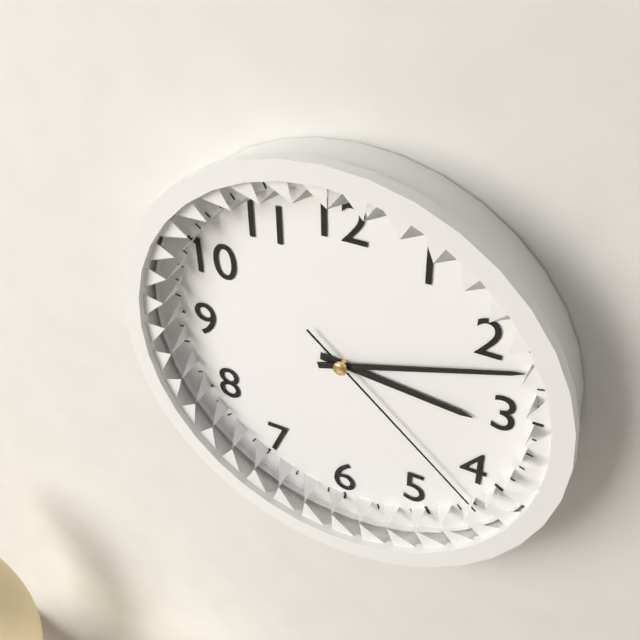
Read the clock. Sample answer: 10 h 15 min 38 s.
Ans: 3 h 12 min 22 s
